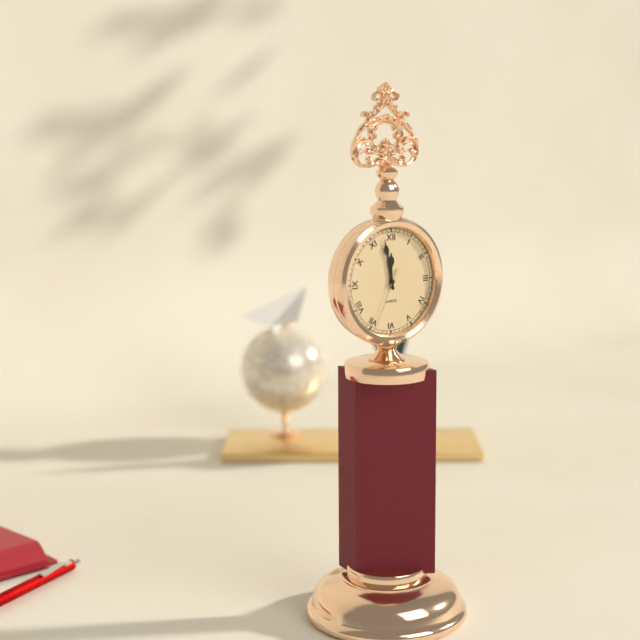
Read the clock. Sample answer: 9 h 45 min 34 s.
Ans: 11 h 58 min 34 s
